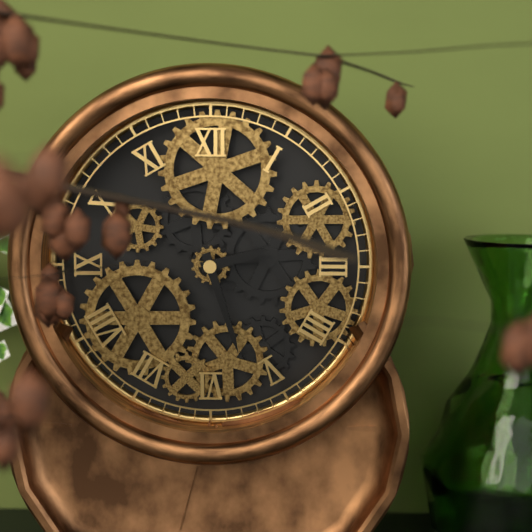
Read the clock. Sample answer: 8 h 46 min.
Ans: 2 h 27 min
